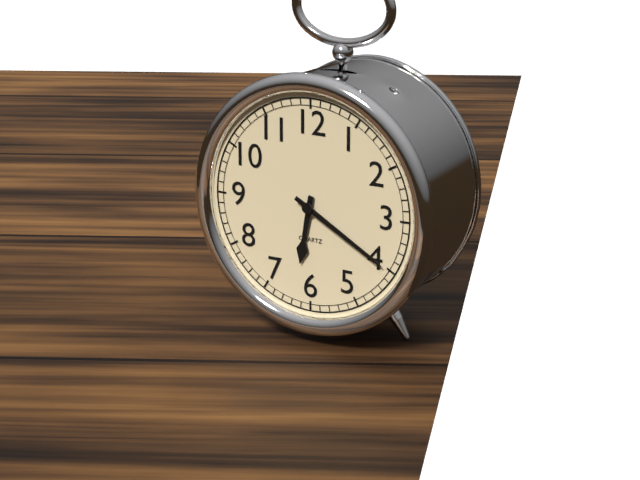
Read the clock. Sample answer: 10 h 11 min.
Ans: 6 h 20 min
